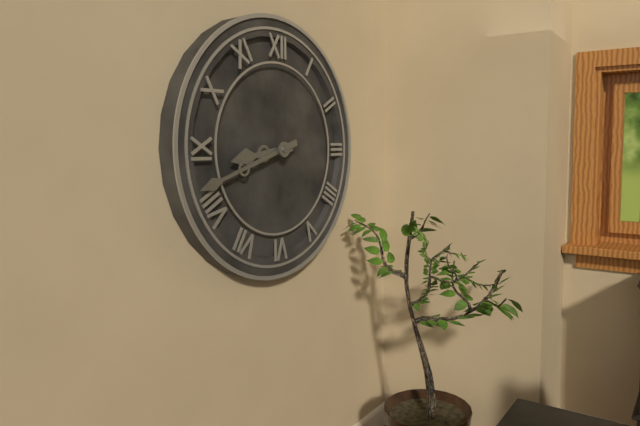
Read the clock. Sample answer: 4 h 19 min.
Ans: 8 h 42 min
